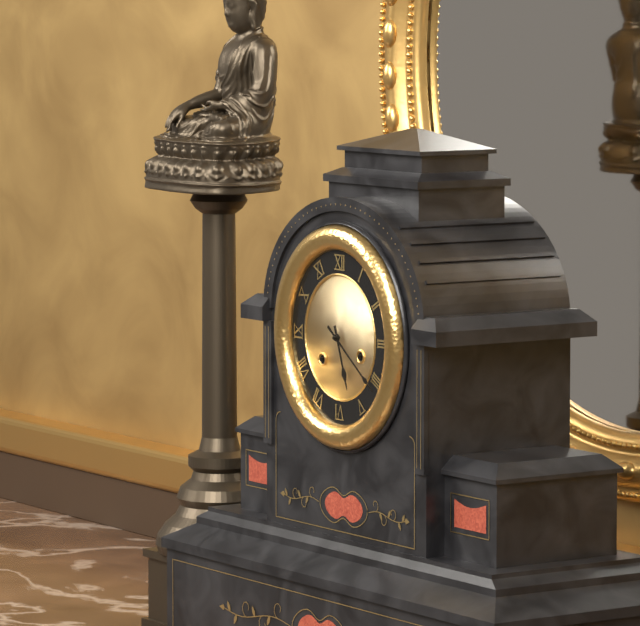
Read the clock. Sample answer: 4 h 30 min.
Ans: 5 h 21 min
